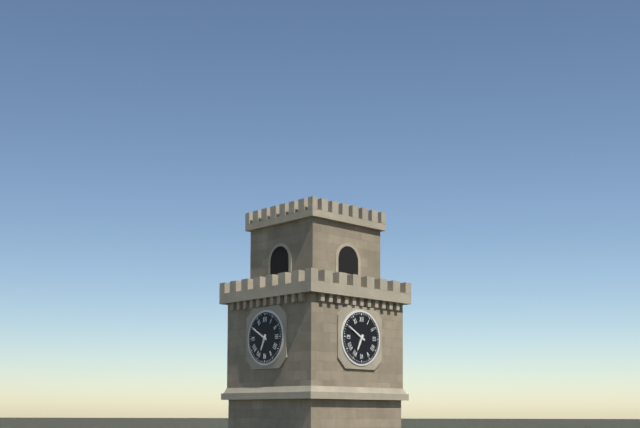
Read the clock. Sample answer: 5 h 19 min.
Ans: 6 h 50 min
